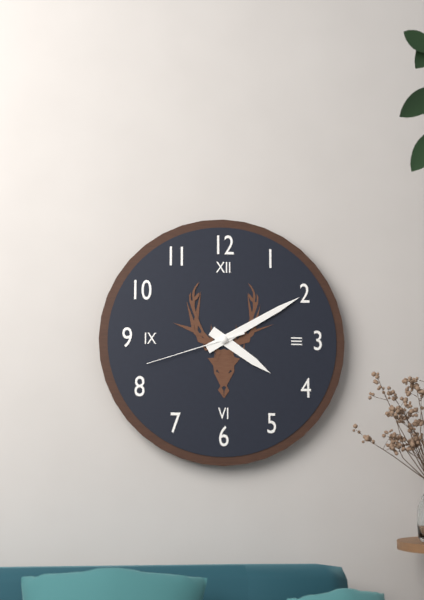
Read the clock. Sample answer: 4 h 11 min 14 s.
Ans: 4 h 10 min 42 s
